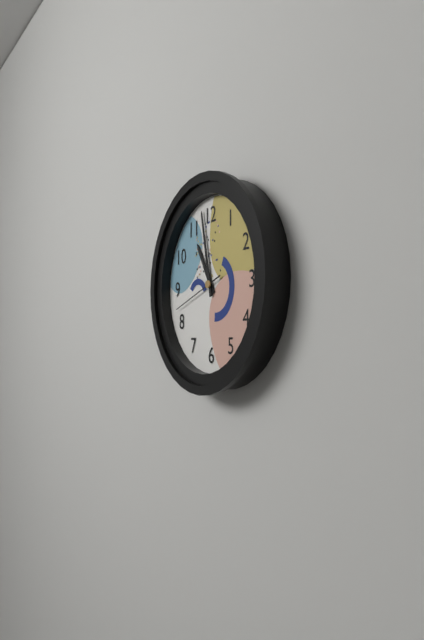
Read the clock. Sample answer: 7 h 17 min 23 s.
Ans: 10 h 58 min 42 s
